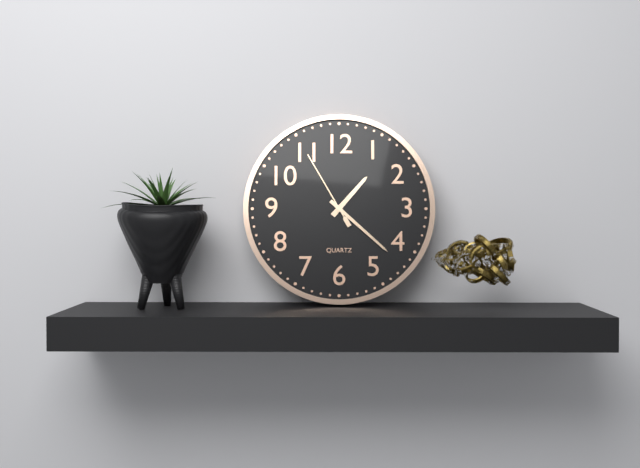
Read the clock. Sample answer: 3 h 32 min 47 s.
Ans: 1 h 22 min 55 s
